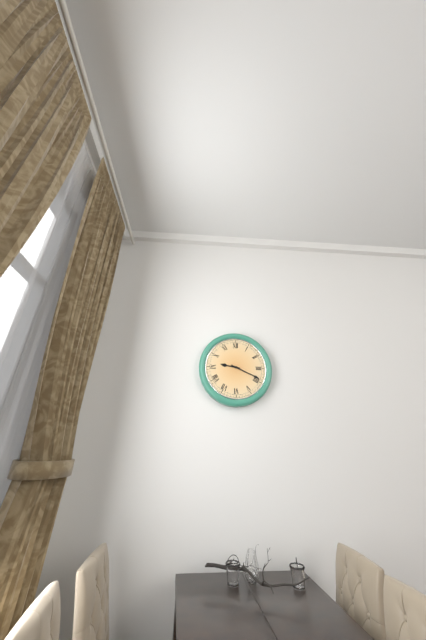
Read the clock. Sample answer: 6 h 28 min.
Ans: 9 h 19 min
